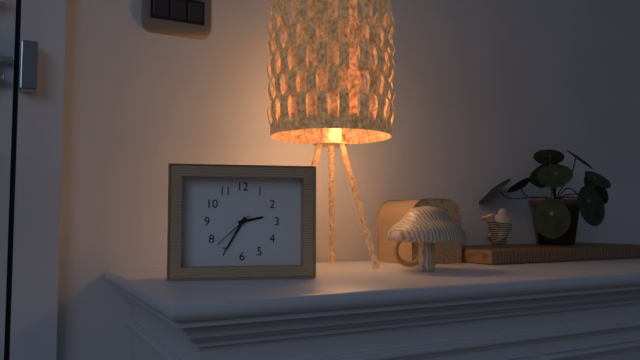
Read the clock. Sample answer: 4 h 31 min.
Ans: 2 h 35 min
